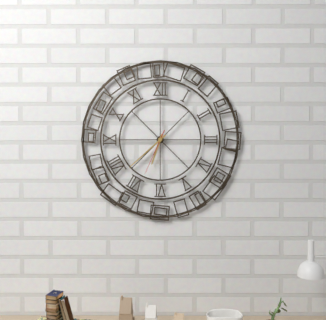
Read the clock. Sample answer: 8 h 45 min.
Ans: 6 h 38 min
